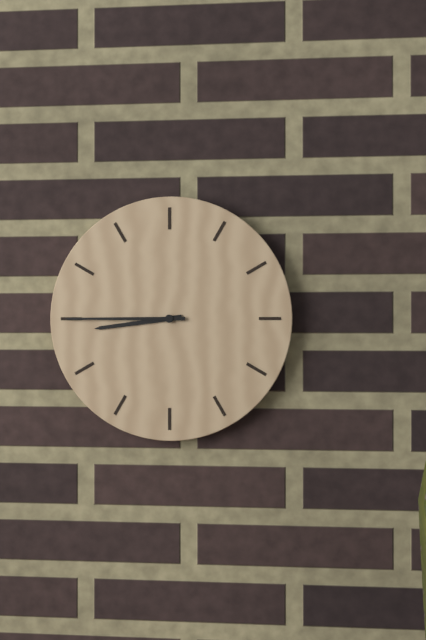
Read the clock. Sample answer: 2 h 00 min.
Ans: 8 h 45 min
